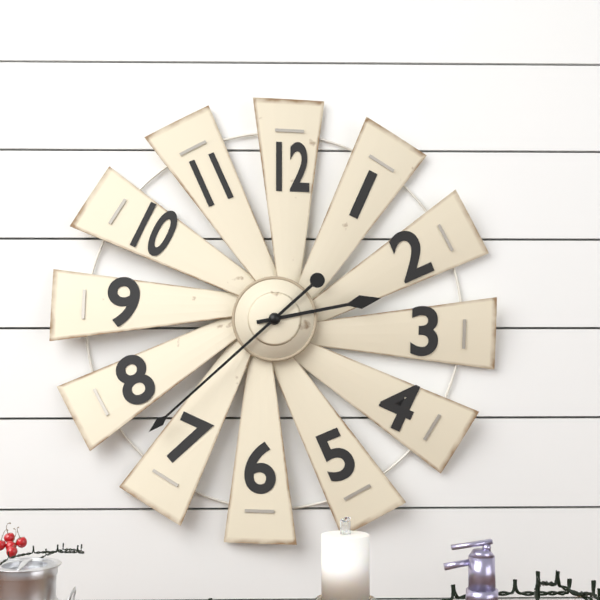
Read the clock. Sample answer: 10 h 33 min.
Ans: 2 h 38 min
